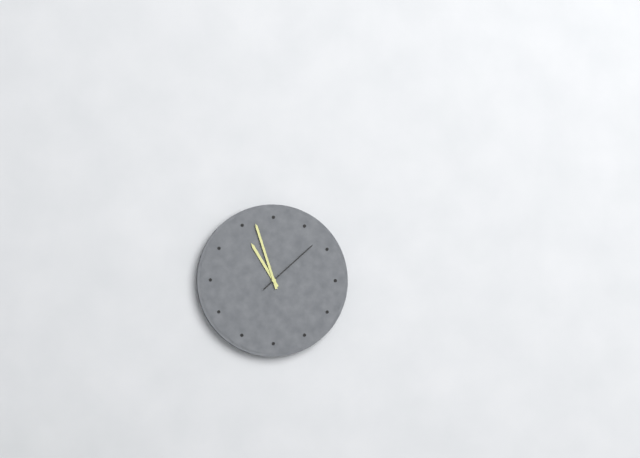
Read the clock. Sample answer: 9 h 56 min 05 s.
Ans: 10 h 57 min 08 s
